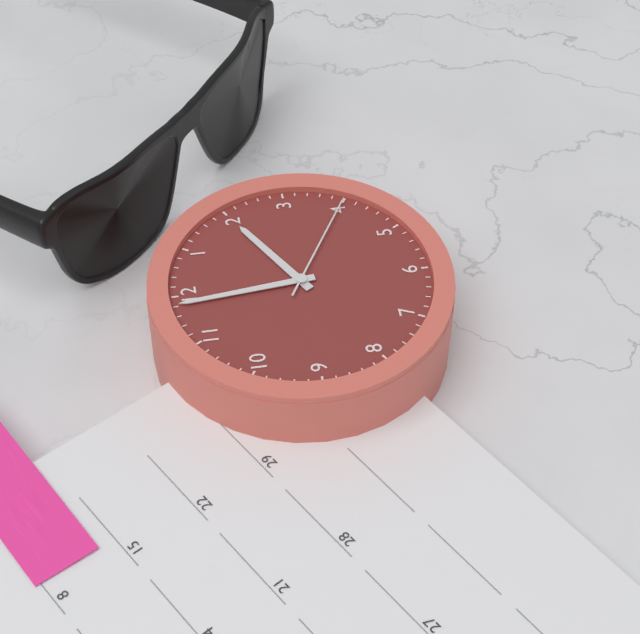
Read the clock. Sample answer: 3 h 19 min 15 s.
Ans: 1 h 59 min 20 s
